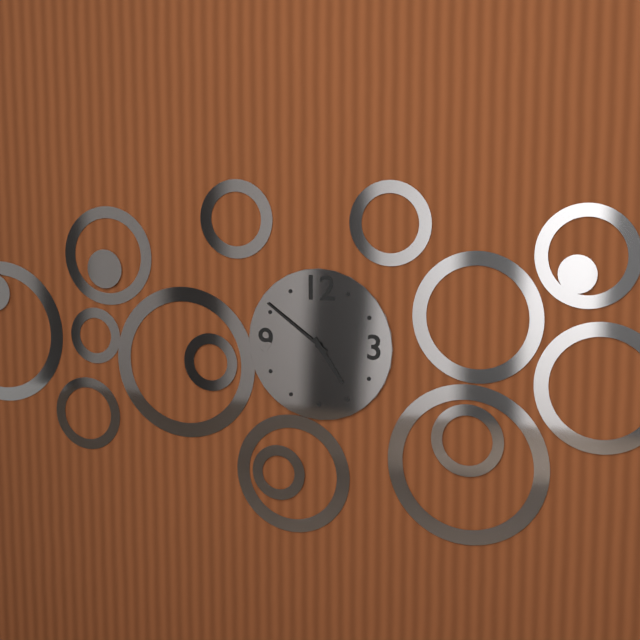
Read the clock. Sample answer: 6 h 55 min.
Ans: 4 h 51 min
